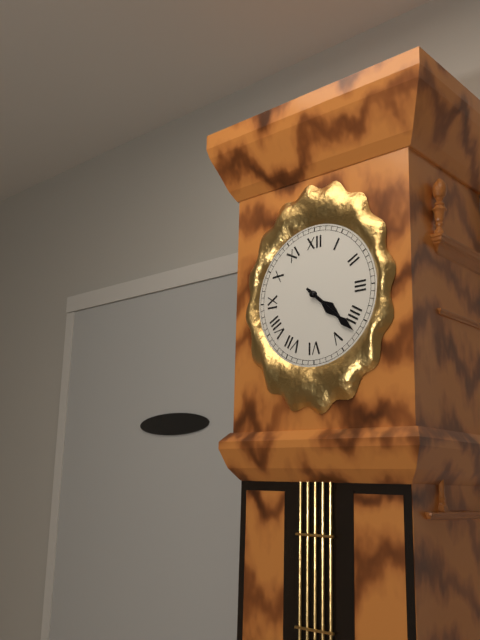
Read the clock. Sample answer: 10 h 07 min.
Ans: 4 h 22 min
